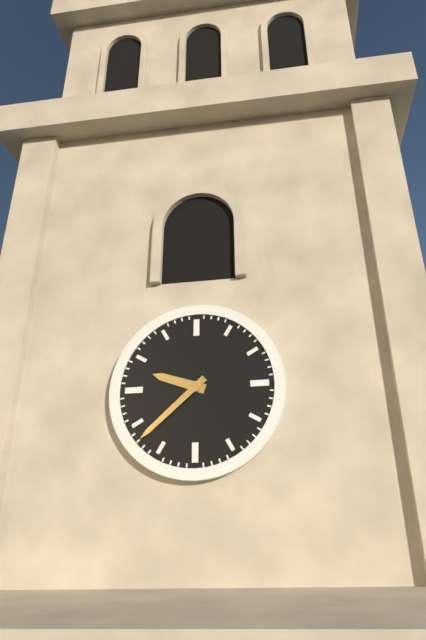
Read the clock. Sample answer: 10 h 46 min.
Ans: 9 h 38 min
